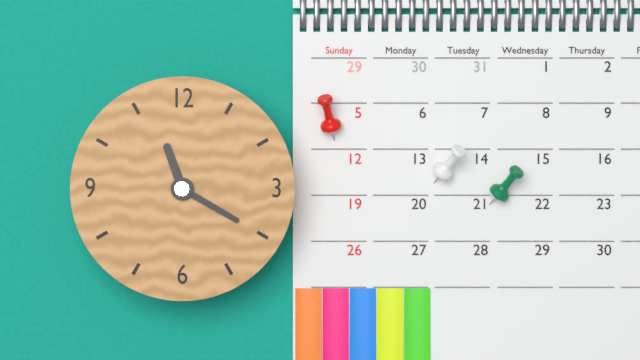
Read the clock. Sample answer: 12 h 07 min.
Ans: 11 h 20 min
